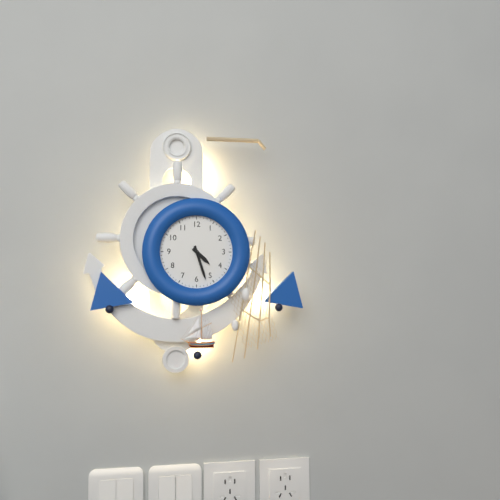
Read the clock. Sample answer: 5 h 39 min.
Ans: 4 h 27 min
